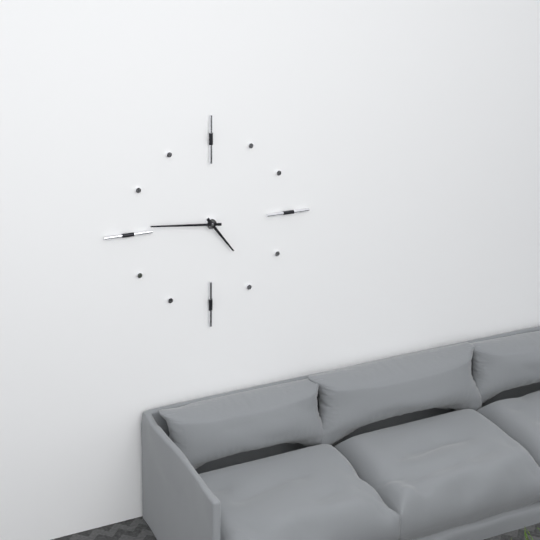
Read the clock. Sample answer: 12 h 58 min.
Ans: 4 h 46 min
